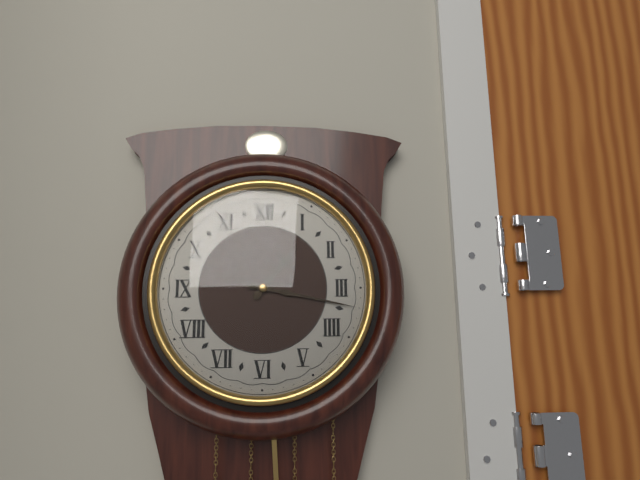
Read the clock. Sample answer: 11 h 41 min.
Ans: 1 h 17 min
